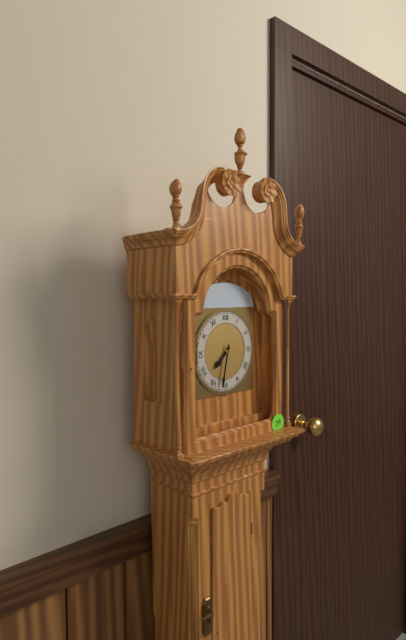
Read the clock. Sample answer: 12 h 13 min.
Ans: 7 h 32 min
